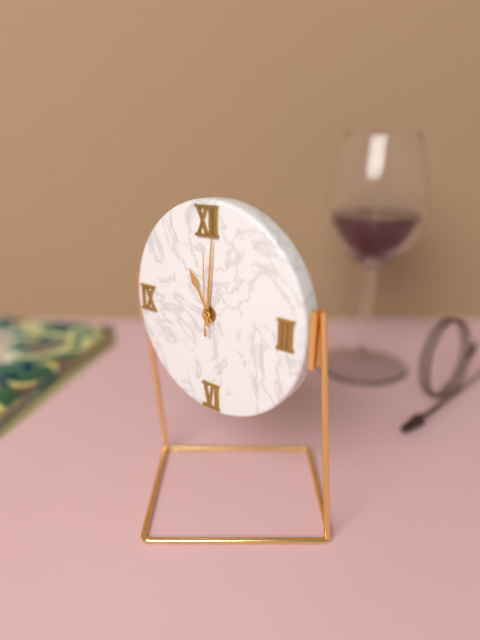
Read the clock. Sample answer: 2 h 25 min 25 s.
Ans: 11 h 01 min 00 s
